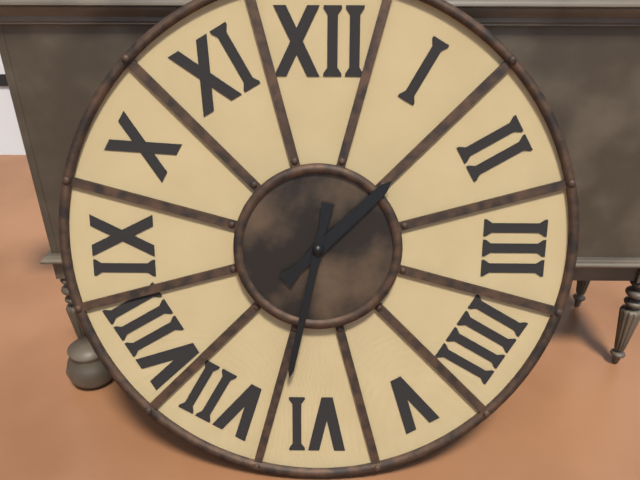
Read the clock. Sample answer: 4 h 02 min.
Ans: 1 h 32 min
